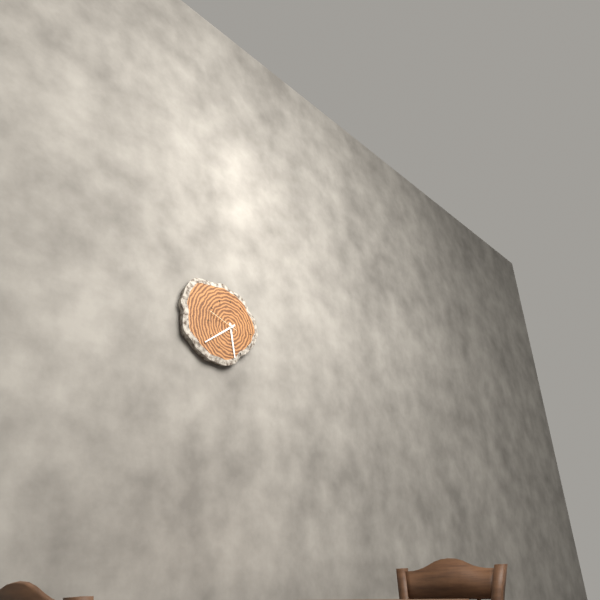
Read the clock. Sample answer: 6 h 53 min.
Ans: 5 h 39 min
